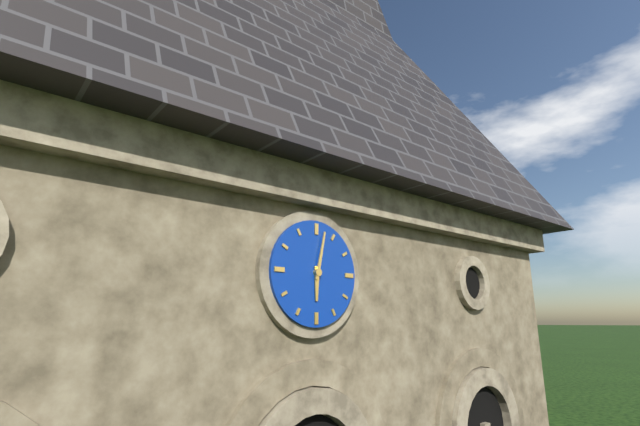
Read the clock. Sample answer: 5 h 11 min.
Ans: 6 h 02 min
